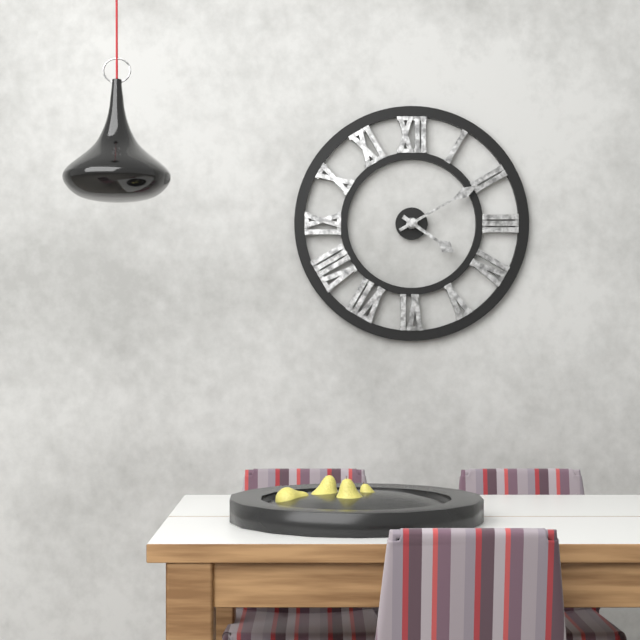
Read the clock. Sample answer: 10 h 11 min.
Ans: 4 h 10 min
